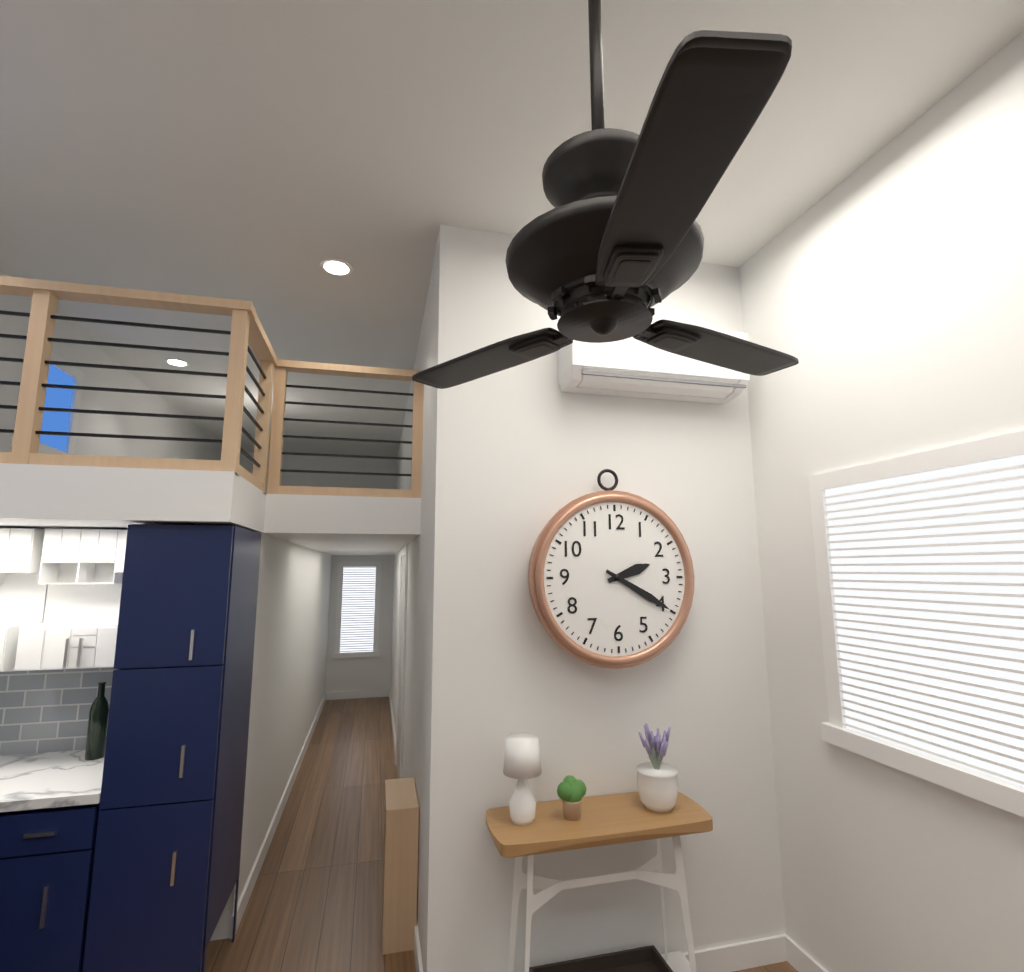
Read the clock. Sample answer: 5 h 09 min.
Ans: 2 h 20 min
